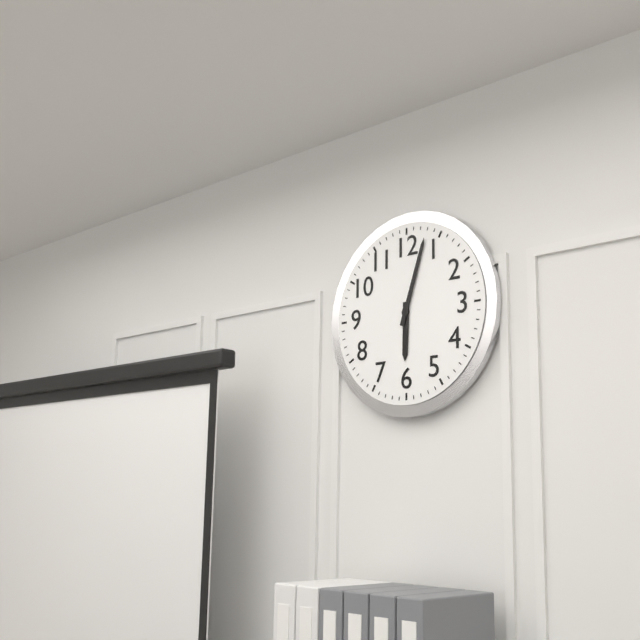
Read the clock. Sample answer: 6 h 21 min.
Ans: 6 h 03 min
